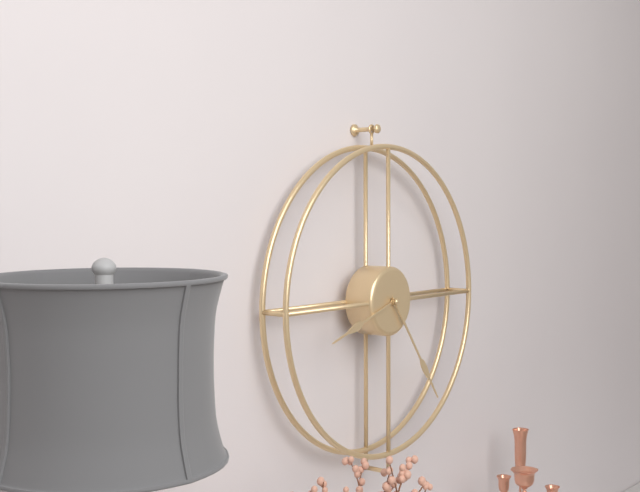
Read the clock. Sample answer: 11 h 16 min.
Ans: 8 h 24 min
